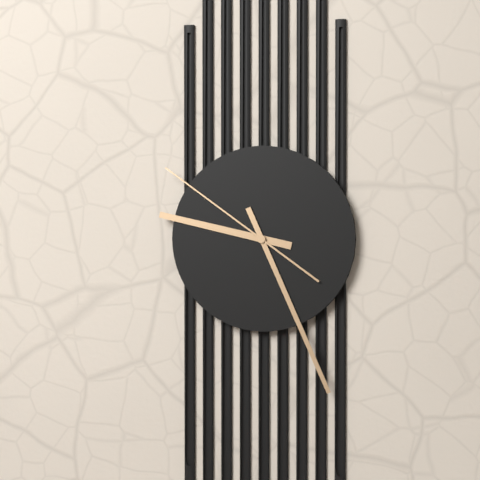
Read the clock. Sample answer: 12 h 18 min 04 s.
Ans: 9 h 26 min 51 s
